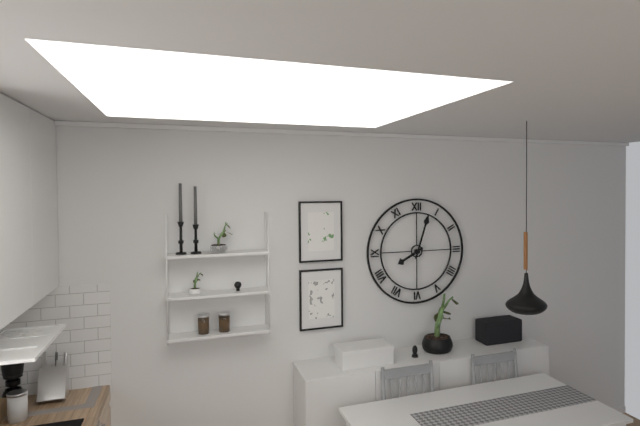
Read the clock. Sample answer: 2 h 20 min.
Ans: 8 h 03 min
